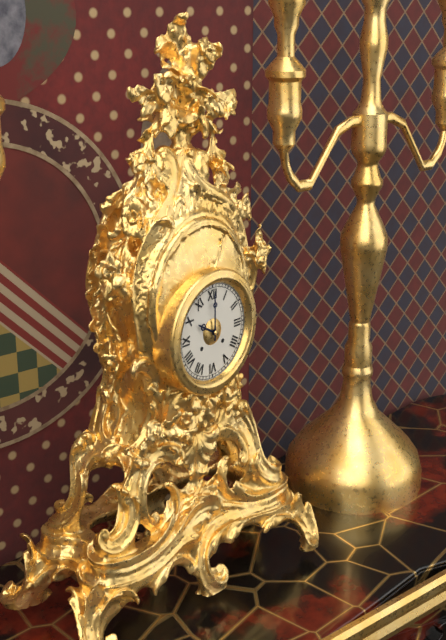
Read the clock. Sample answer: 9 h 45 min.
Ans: 10 h 00 min
